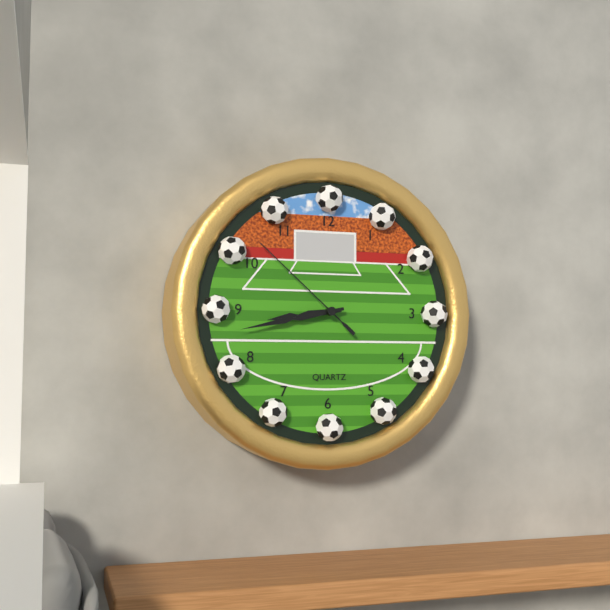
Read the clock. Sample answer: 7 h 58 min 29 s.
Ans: 8 h 43 min 52 s
